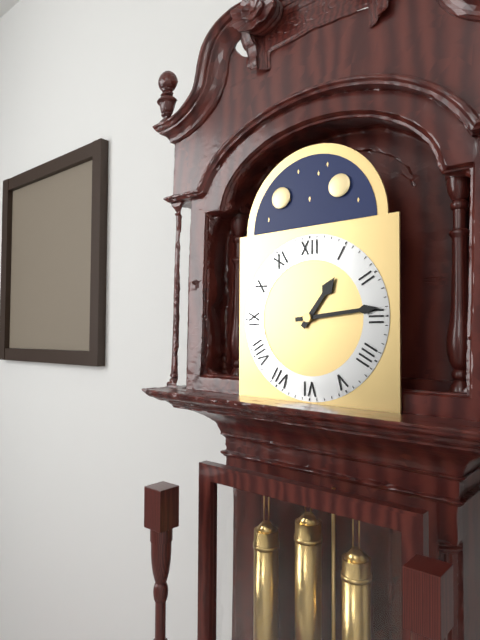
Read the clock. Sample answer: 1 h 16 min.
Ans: 1 h 14 min
